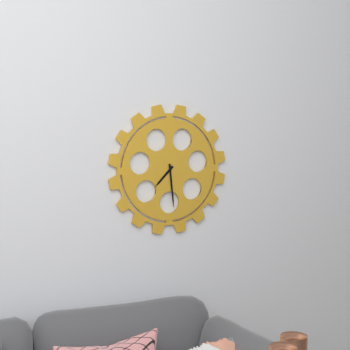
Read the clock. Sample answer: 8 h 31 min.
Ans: 7 h 29 min
